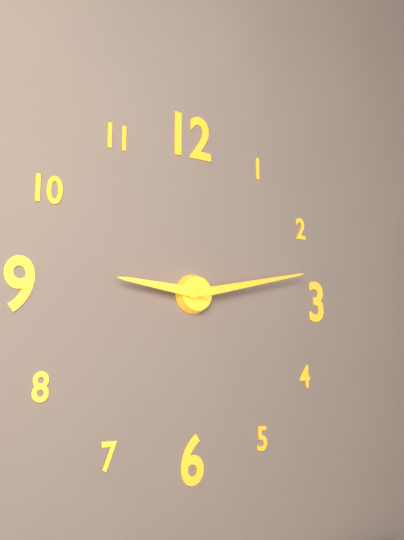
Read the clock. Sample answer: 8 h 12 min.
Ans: 9 h 13 min
